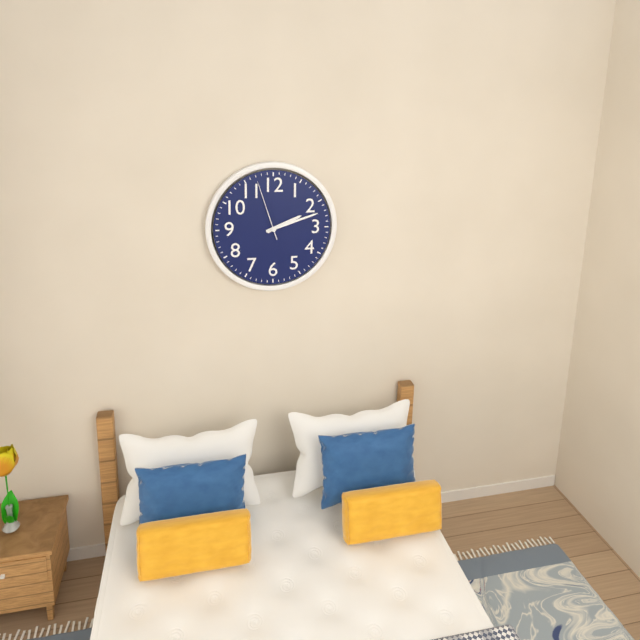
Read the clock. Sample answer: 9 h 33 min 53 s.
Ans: 2 h 12 min 57 s
